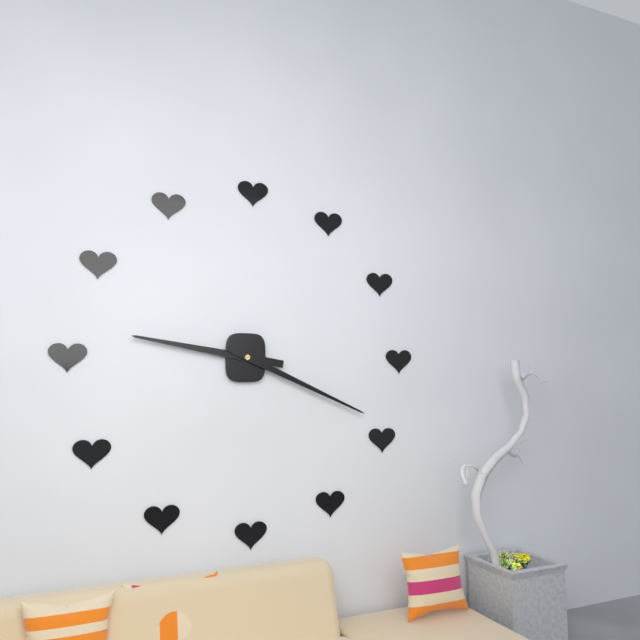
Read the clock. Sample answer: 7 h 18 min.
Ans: 9 h 19 min
